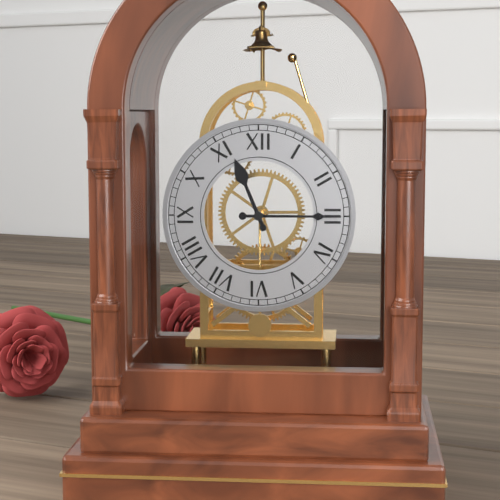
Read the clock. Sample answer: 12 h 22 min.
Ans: 11 h 15 min
